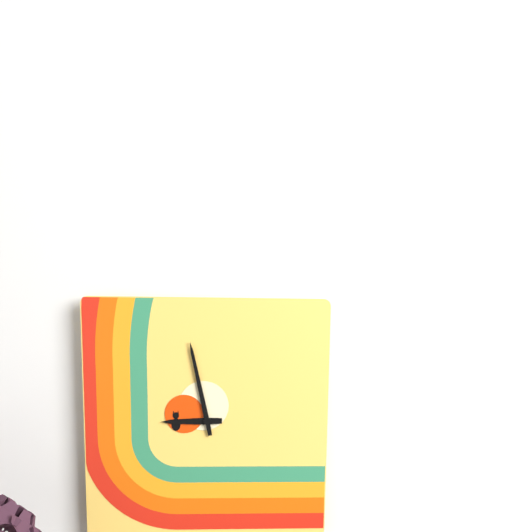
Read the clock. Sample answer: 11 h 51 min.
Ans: 8 h 58 min
